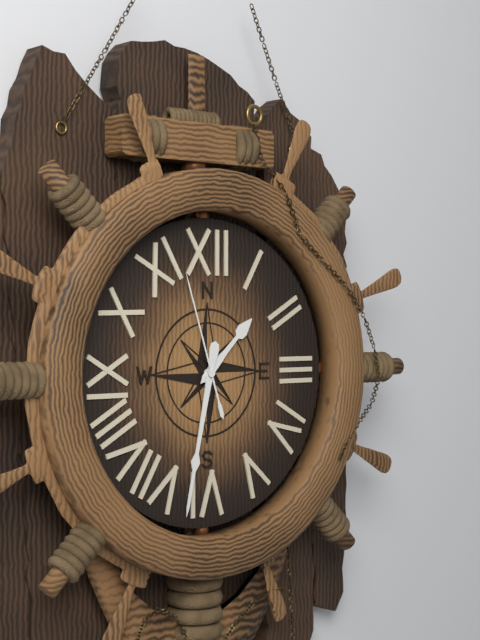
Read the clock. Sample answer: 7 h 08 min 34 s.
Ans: 1 h 32 min 57 s
